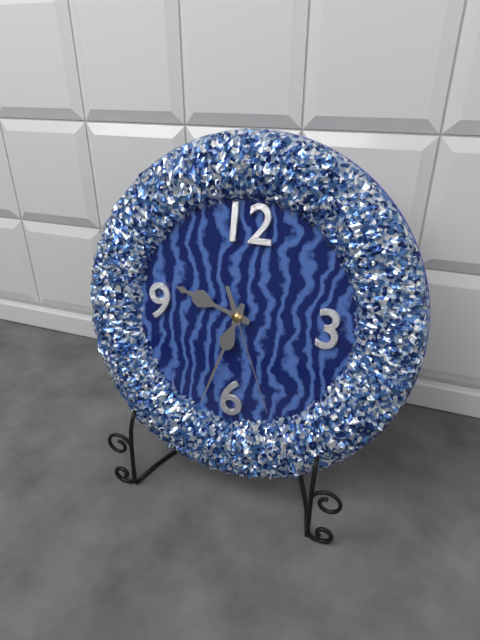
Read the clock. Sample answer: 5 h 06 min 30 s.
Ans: 9 h 33 min 26 s
